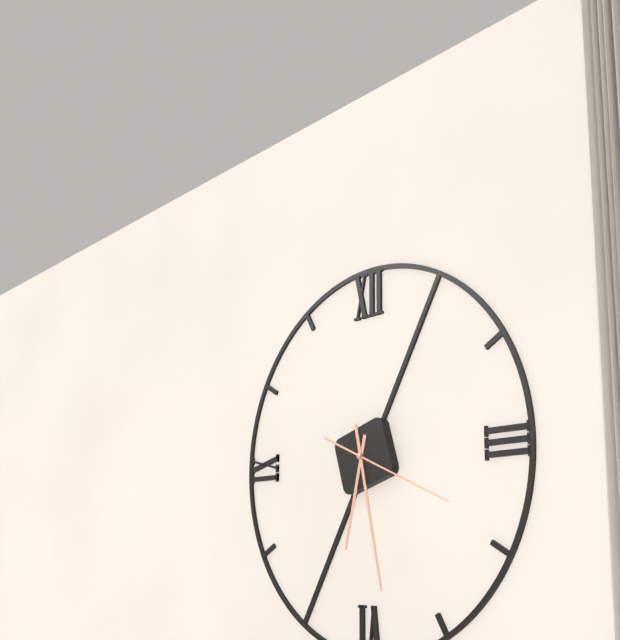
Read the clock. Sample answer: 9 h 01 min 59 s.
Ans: 6 h 28 min 19 s
